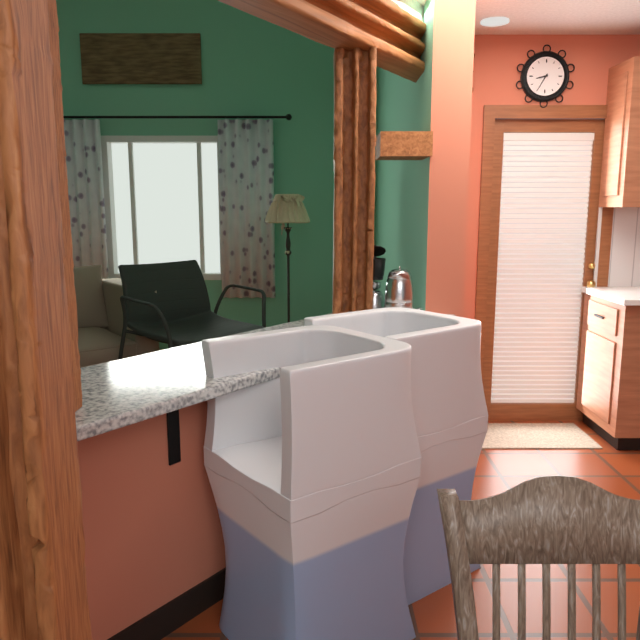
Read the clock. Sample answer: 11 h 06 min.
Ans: 8 h 35 min
